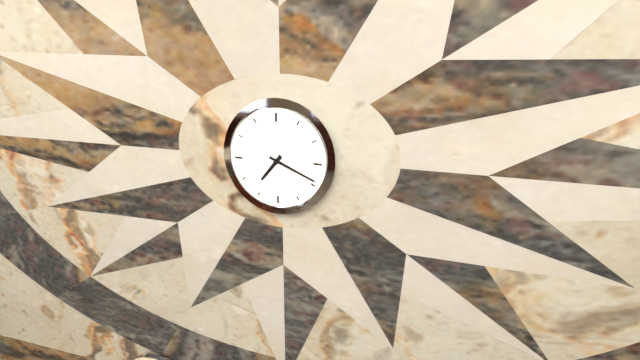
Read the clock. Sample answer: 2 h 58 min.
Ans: 7 h 19 min
